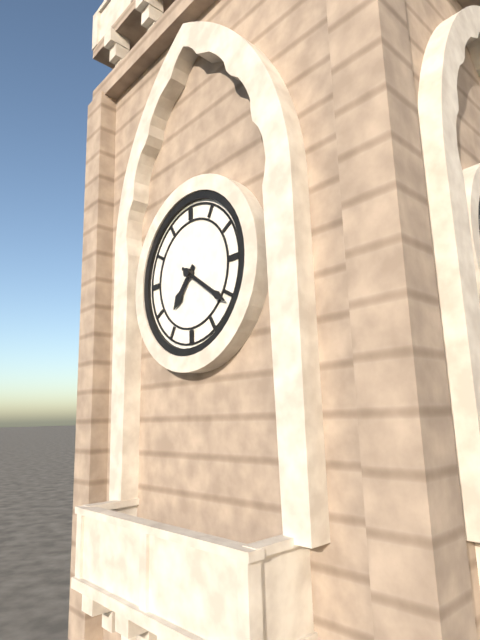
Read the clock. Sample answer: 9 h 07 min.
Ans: 7 h 21 min
